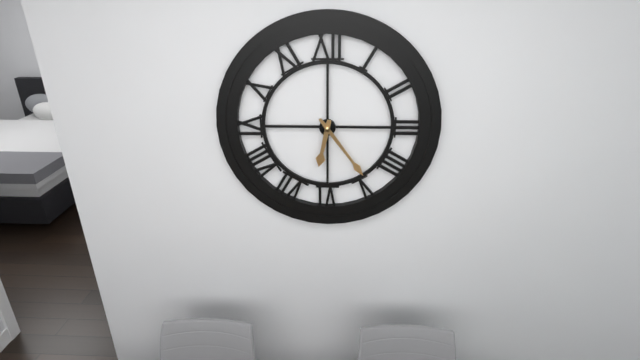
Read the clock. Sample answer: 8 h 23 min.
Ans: 6 h 24 min
